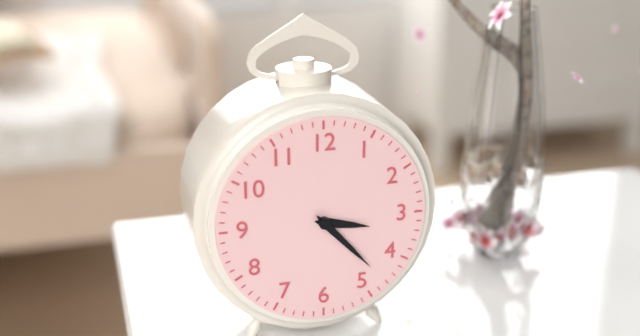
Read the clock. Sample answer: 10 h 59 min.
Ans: 3 h 23 min
